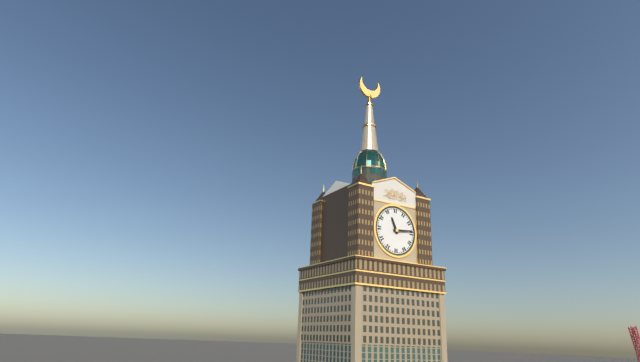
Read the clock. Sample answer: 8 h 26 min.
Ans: 11 h 14 min
